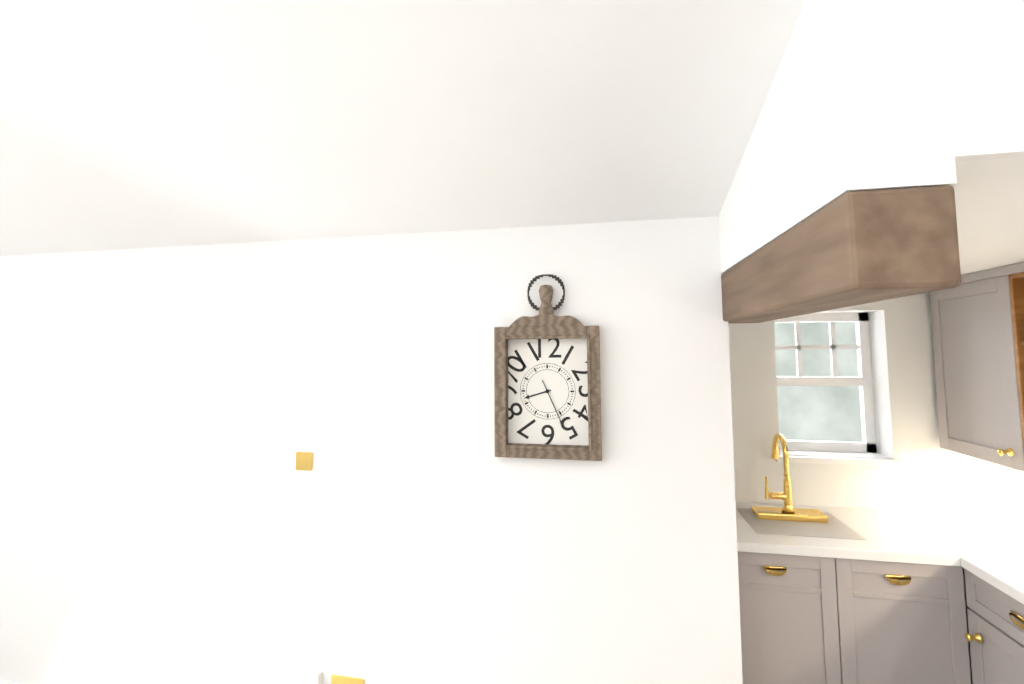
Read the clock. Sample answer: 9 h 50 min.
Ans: 8 h 26 min
